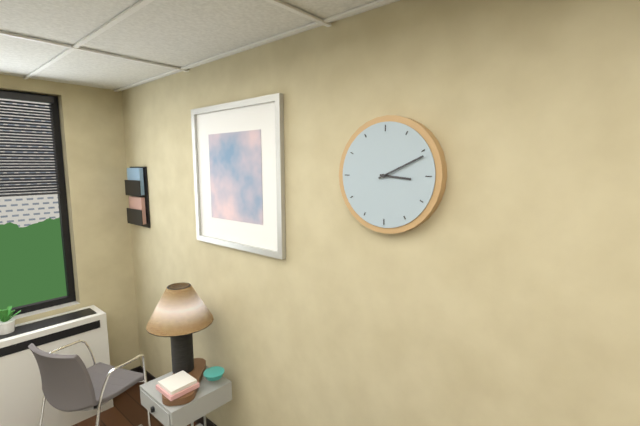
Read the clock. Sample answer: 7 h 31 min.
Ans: 3 h 11 min
